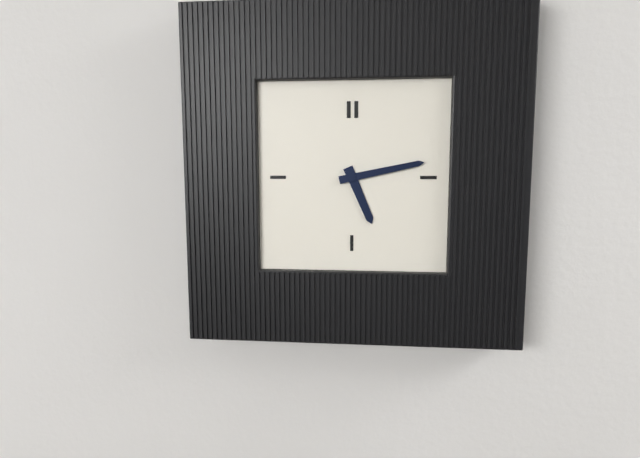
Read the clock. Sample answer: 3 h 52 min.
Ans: 5 h 13 min
